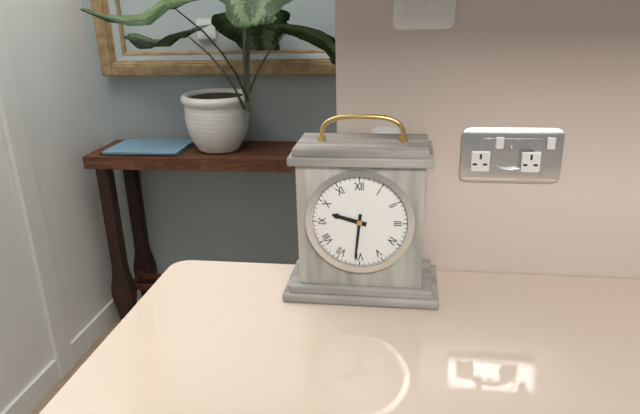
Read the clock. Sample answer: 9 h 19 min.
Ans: 9 h 31 min
